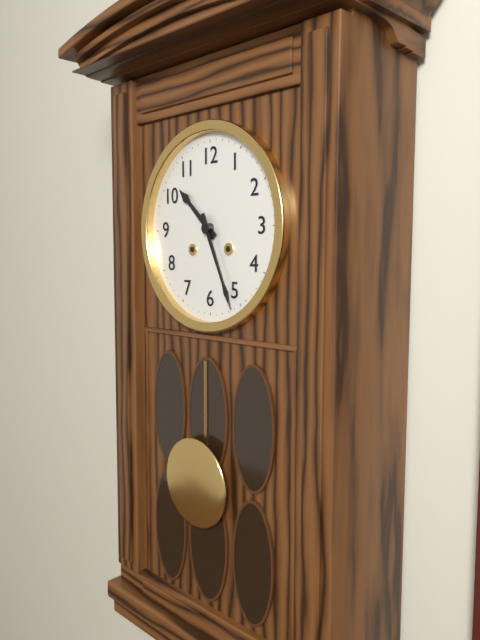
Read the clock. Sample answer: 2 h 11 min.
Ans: 10 h 26 min
